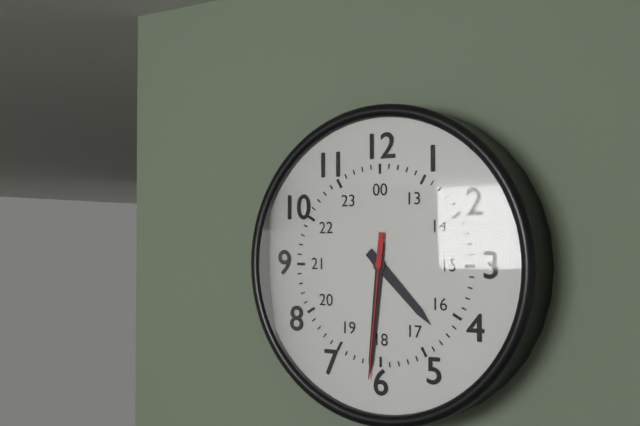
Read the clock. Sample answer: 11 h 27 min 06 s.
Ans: 4 h 31 min 31 s
